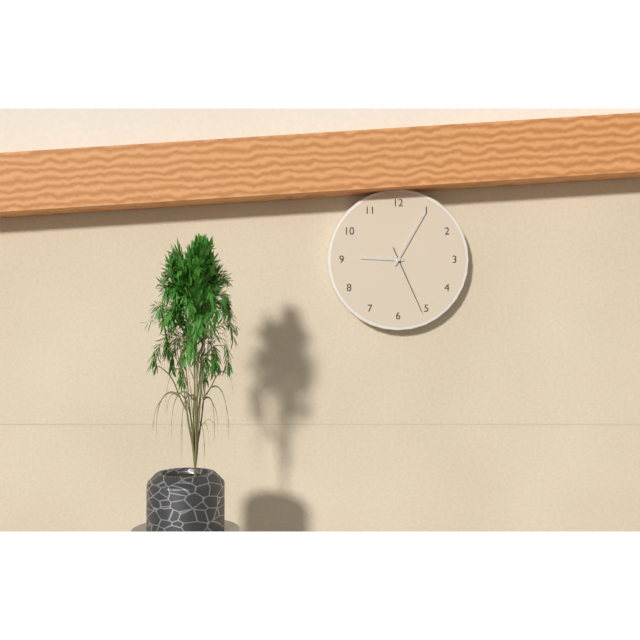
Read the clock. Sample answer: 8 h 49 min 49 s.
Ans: 9 h 05 min 26 s
